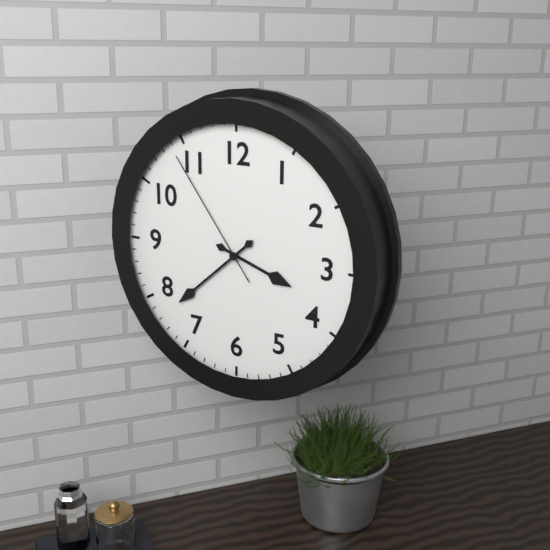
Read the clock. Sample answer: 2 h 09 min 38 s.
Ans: 3 h 38 min 54 s
